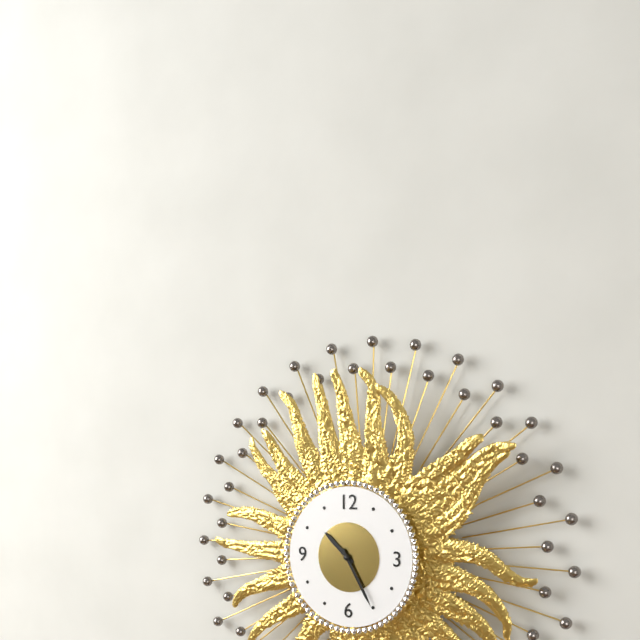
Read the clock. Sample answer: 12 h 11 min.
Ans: 10 h 25 min
